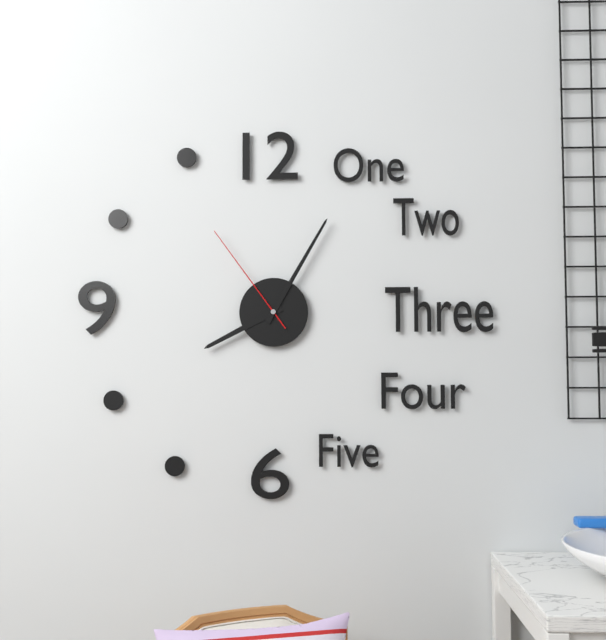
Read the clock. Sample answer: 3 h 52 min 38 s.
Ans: 8 h 05 min 54 s
